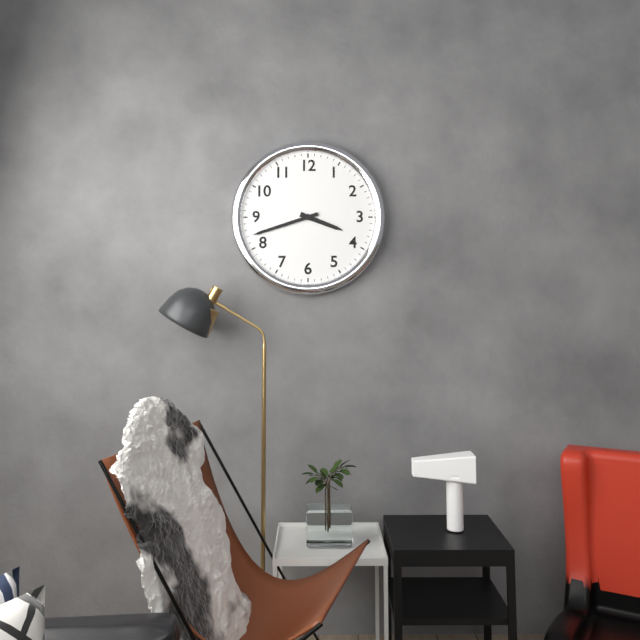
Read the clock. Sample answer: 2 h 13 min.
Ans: 3 h 42 min
